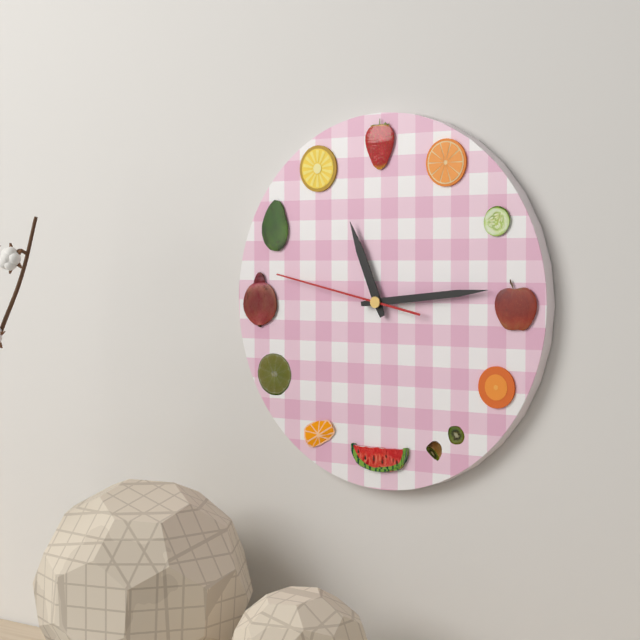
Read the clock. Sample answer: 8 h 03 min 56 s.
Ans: 11 h 14 min 47 s
